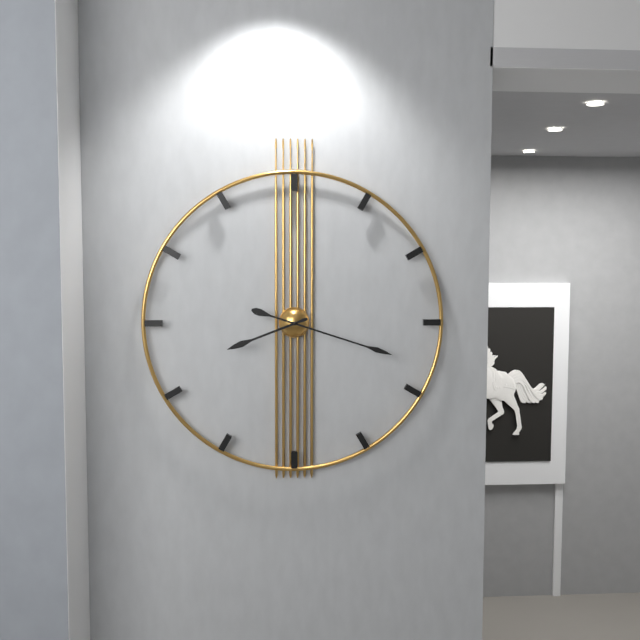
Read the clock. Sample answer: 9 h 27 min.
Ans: 8 h 18 min
